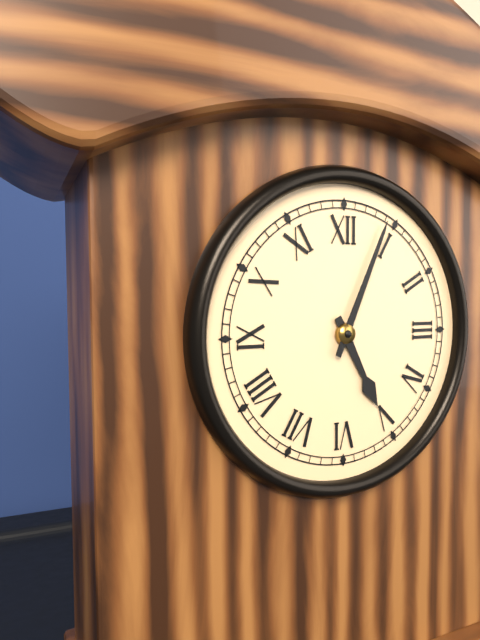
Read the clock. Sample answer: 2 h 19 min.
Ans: 5 h 04 min
